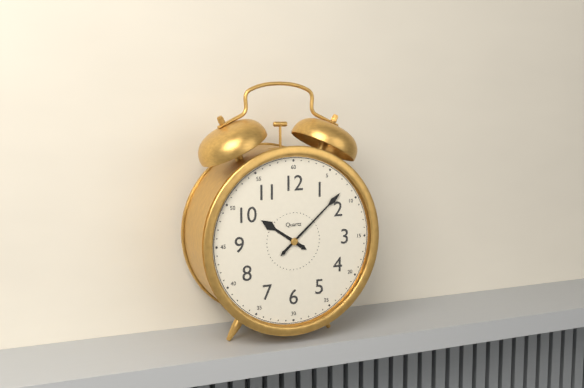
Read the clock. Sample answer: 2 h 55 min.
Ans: 10 h 08 min
